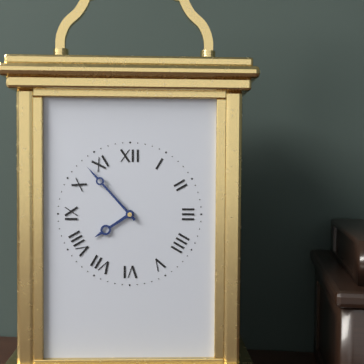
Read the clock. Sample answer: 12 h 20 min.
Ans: 7 h 53 min
